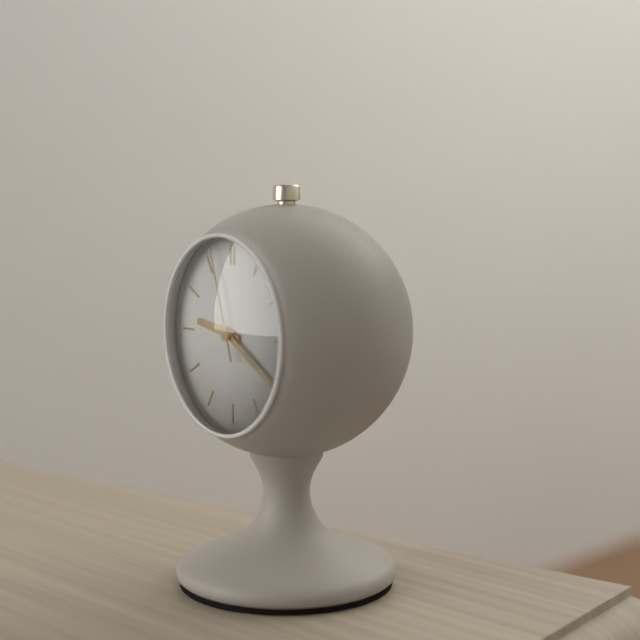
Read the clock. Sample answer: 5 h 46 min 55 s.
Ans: 9 h 20 min 57 s
